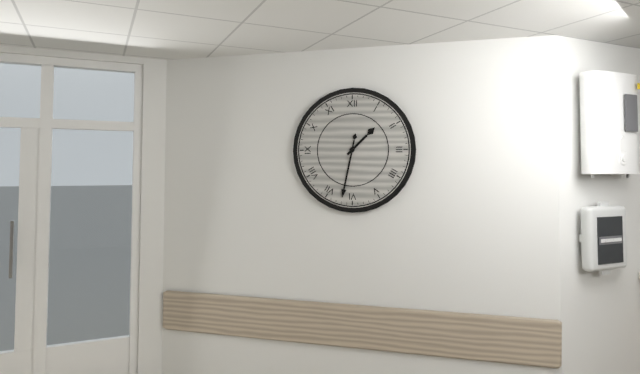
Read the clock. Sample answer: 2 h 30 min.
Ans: 1 h 32 min
